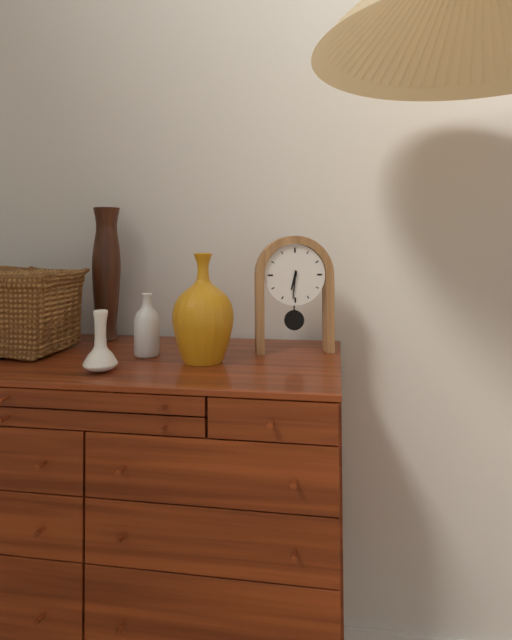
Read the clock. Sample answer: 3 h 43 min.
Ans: 6 h 31 min
